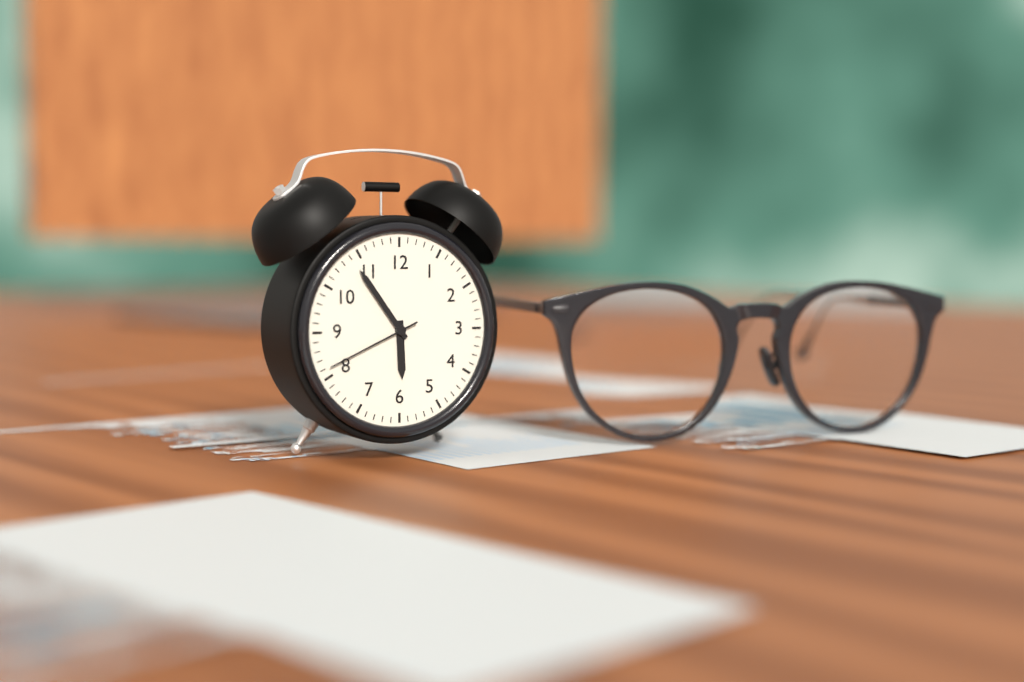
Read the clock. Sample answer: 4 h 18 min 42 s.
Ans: 5 h 54 min 41 s
